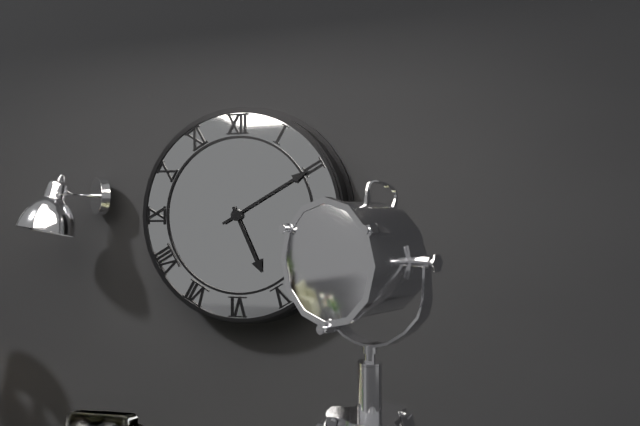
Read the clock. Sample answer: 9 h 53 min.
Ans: 5 h 10 min
